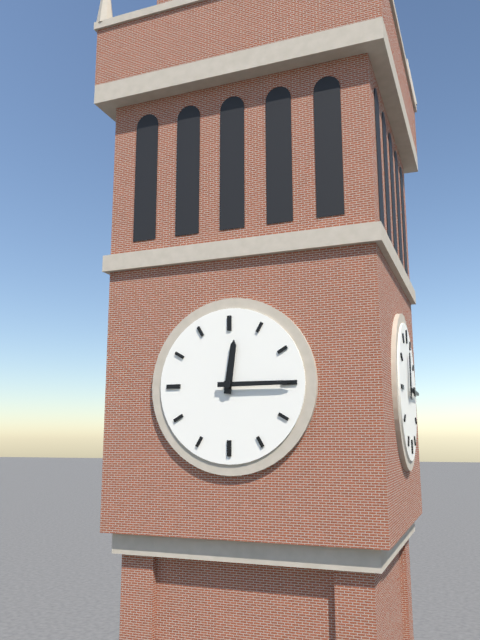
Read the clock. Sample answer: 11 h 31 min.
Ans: 12 h 15 min
